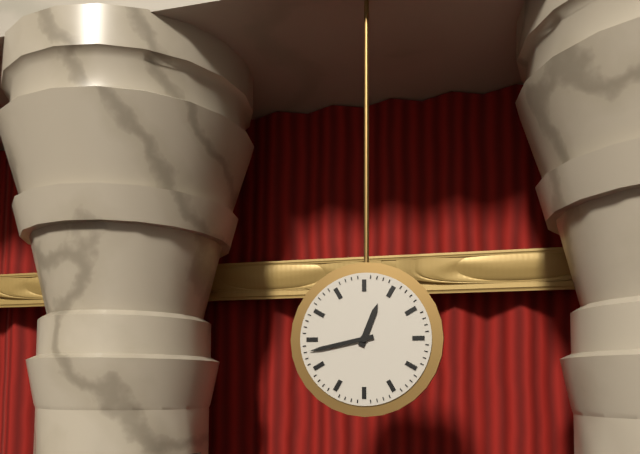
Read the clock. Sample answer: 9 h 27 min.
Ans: 12 h 43 min
